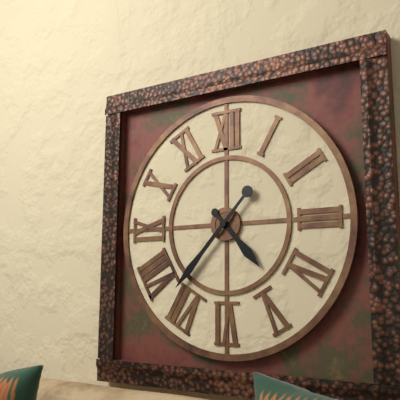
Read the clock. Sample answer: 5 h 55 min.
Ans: 4 h 37 min
